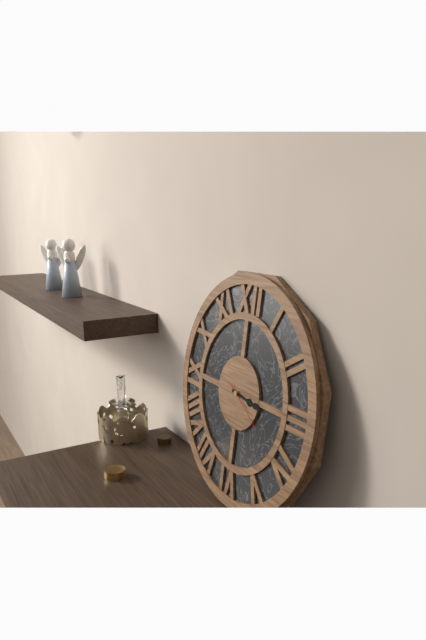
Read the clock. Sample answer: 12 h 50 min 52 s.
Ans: 3 h 16 min 20 s
